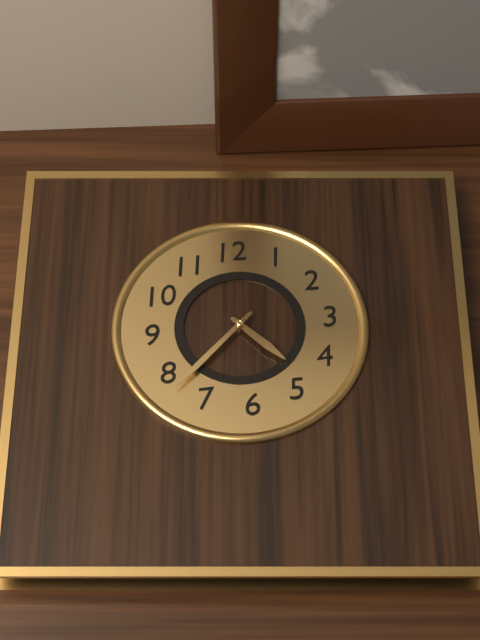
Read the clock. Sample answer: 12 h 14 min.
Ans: 4 h 38 min
